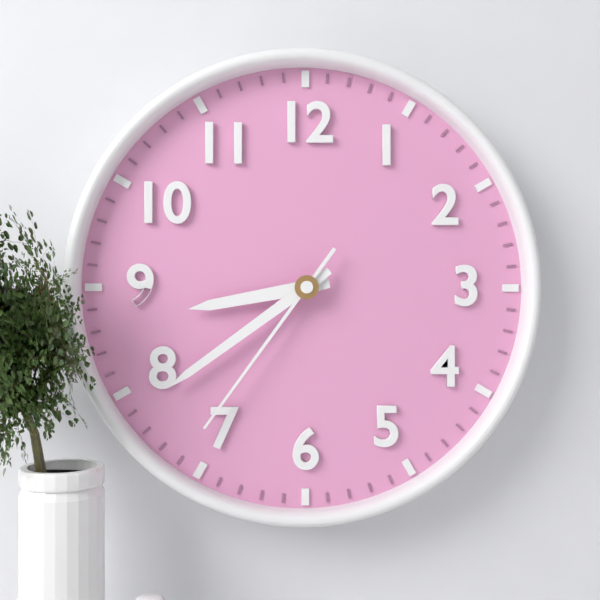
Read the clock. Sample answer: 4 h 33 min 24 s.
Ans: 8 h 39 min 36 s
